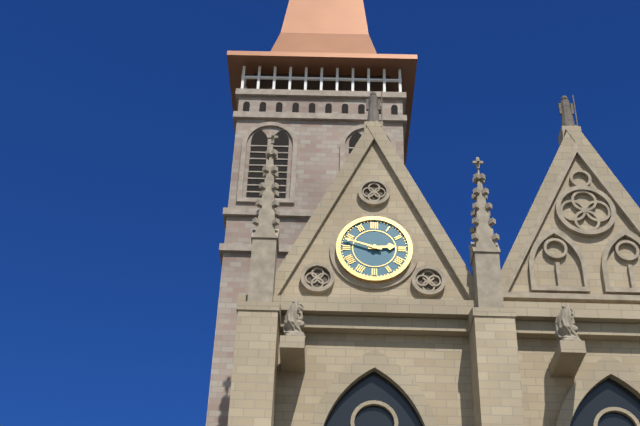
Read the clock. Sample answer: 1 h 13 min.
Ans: 2 h 48 min
